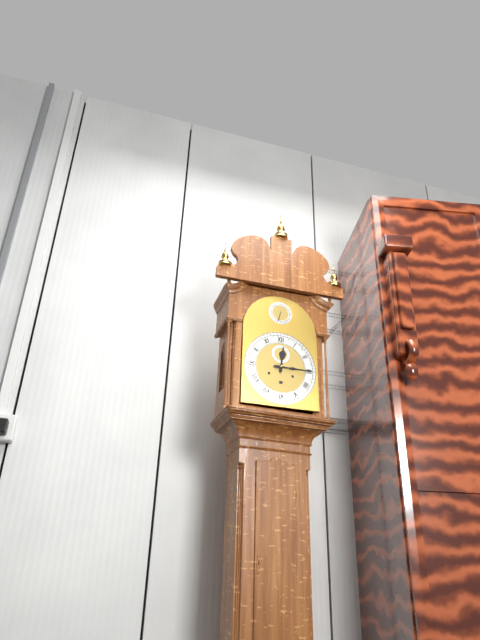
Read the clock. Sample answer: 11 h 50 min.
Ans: 12 h 15 min
